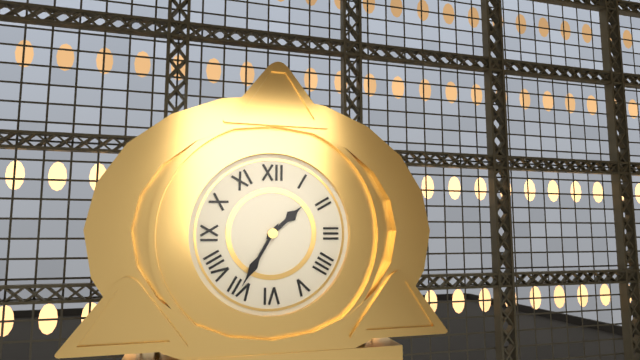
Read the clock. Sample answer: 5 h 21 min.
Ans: 1 h 35 min
